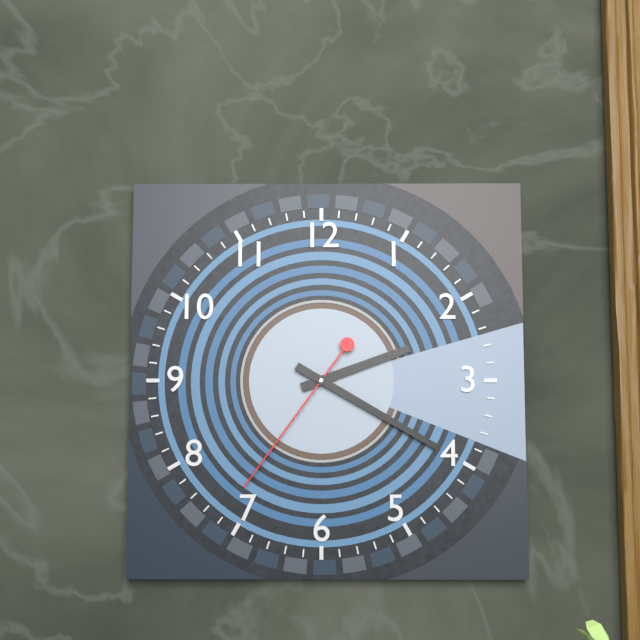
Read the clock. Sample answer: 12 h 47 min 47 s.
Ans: 2 h 20 min 36 s
